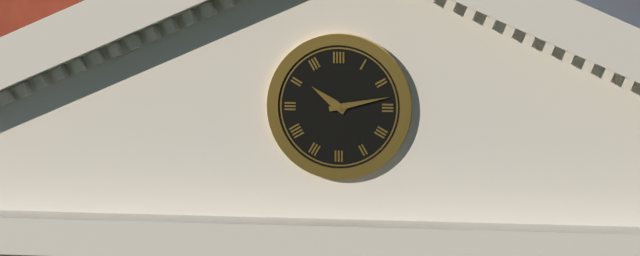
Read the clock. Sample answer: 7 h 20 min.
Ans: 10 h 13 min
